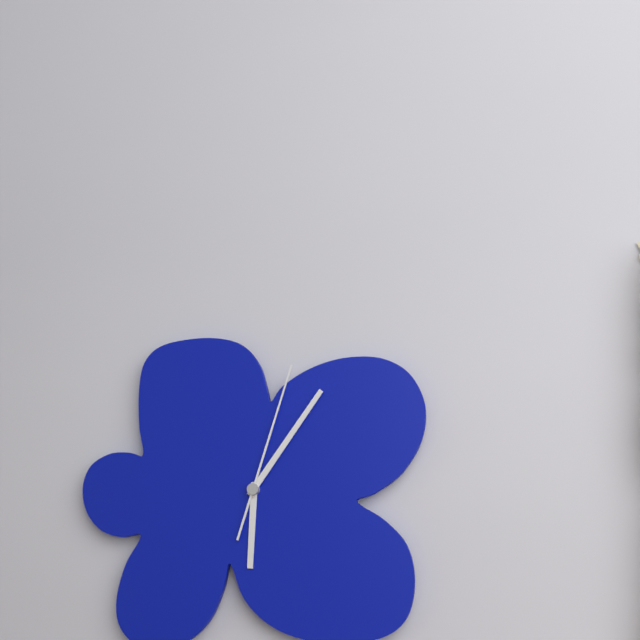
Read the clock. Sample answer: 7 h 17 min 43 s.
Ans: 6 h 06 min 03 s
